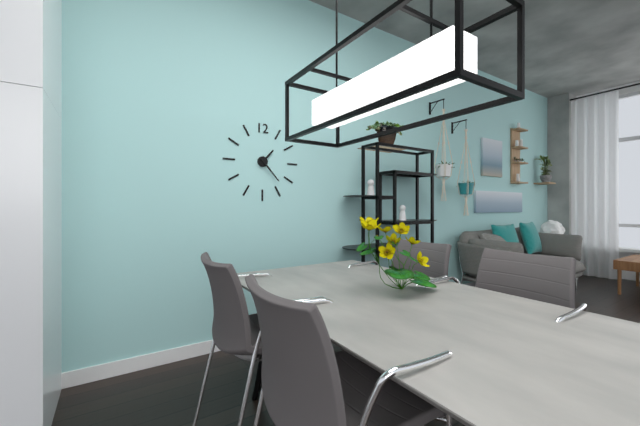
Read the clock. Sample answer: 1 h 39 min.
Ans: 1 h 23 min
